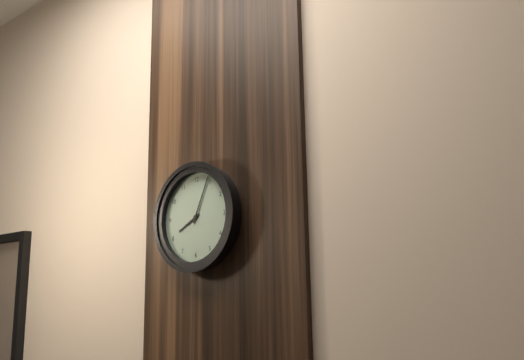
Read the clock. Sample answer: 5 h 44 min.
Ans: 8 h 04 min
